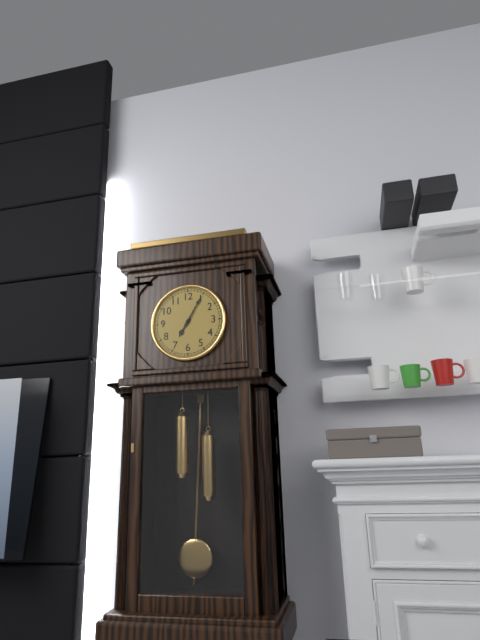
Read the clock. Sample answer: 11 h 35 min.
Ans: 7 h 05 min
